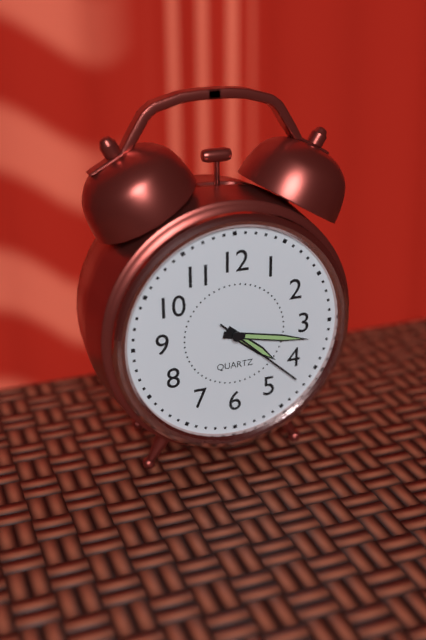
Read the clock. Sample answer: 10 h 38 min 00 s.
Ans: 4 h 17 min 22 s
